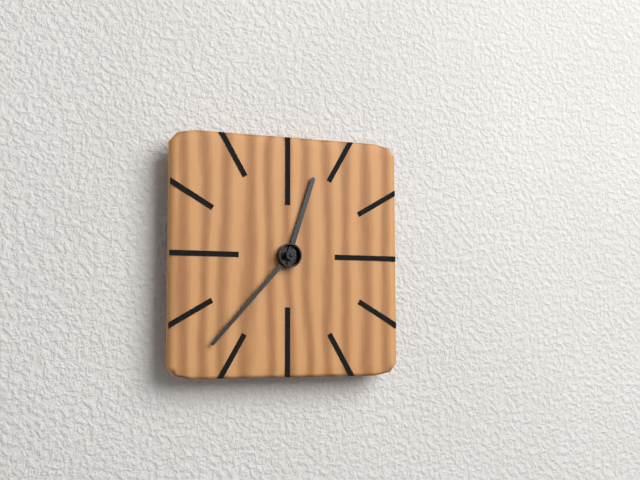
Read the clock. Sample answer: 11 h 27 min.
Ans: 12 h 37 min
